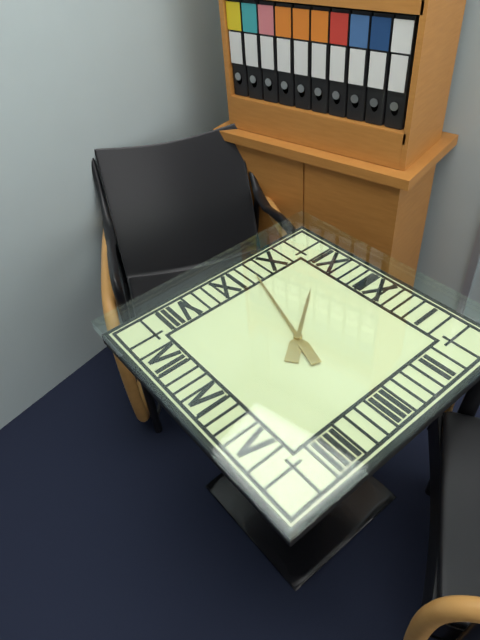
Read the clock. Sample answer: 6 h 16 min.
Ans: 10 h 48 min
